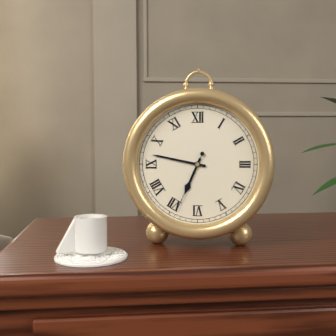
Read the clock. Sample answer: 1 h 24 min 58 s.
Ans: 6 h 47 min 34 s
